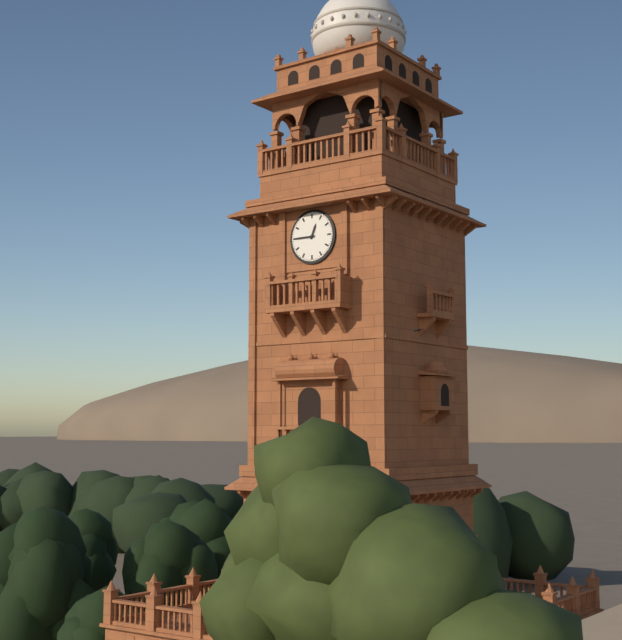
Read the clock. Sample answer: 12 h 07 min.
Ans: 12 h 45 min
